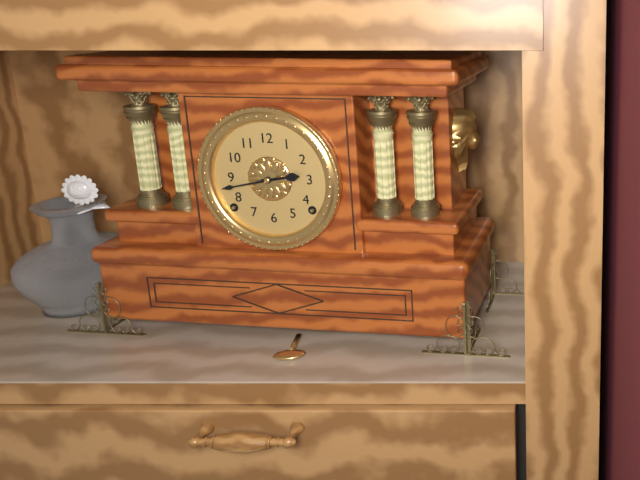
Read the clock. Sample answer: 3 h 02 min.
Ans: 2 h 43 min
